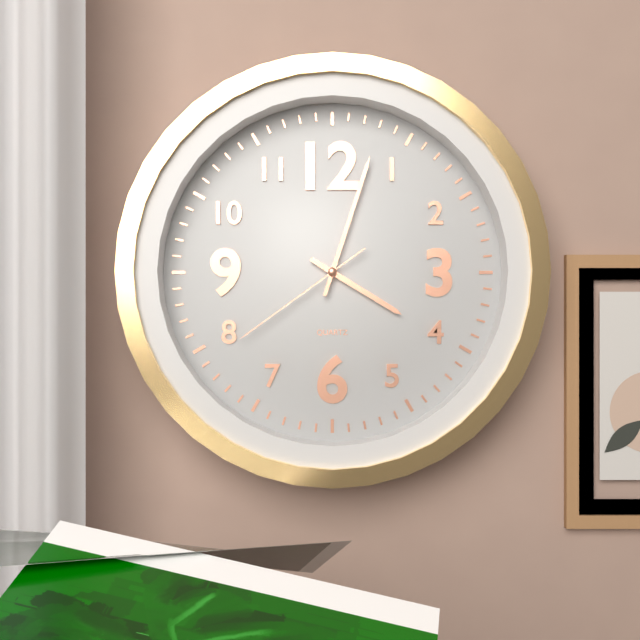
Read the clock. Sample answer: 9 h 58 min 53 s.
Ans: 4 h 03 min 39 s
